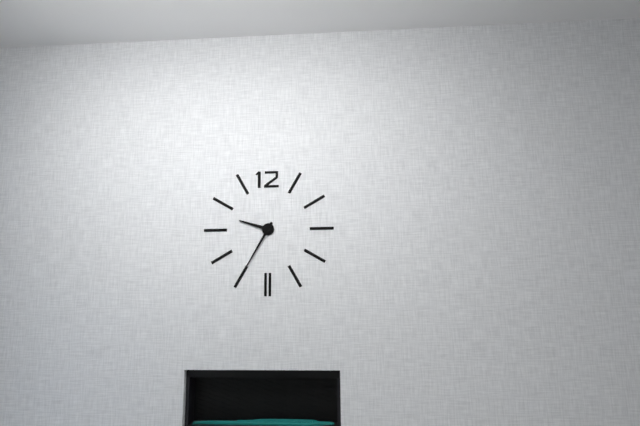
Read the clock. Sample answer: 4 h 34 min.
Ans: 9 h 35 min
